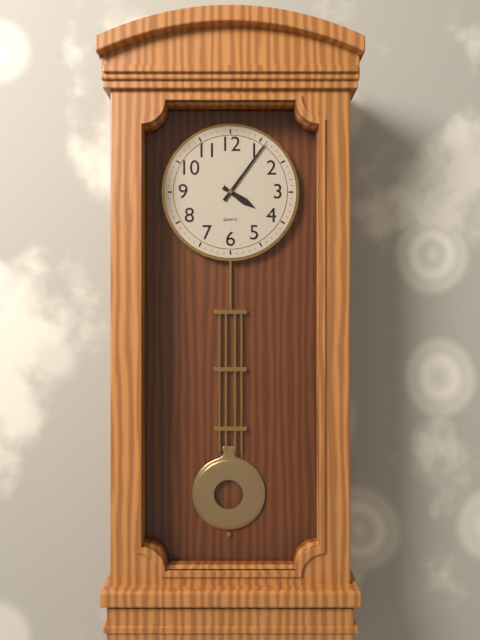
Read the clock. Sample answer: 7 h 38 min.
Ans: 4 h 06 min
